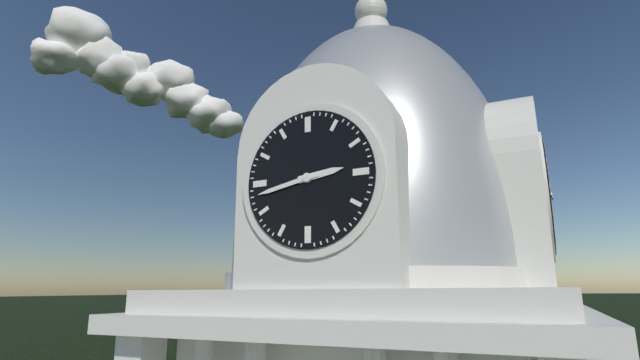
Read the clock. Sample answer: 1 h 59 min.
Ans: 2 h 43 min
